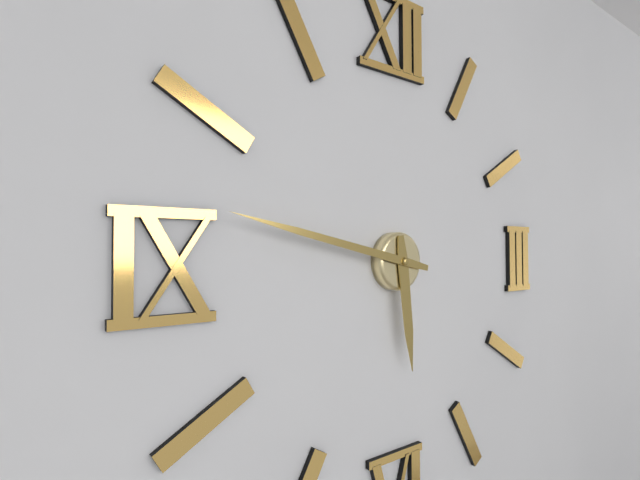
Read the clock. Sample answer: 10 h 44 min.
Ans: 5 h 47 min
